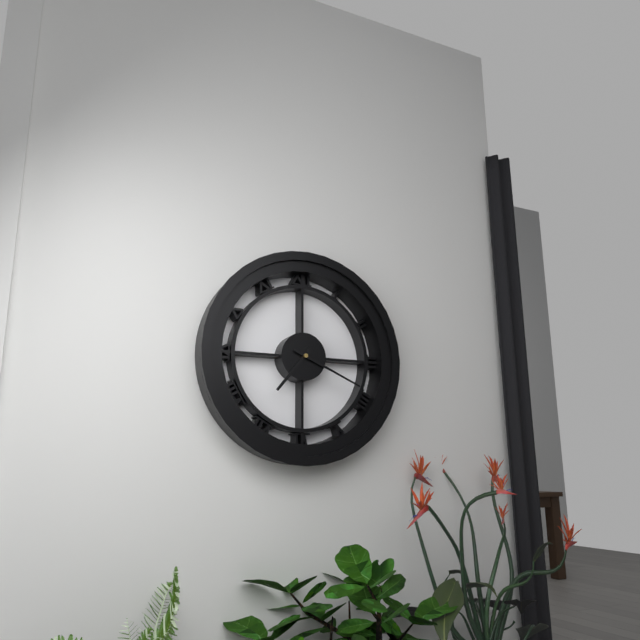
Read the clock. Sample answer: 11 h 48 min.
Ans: 7 h 19 min
